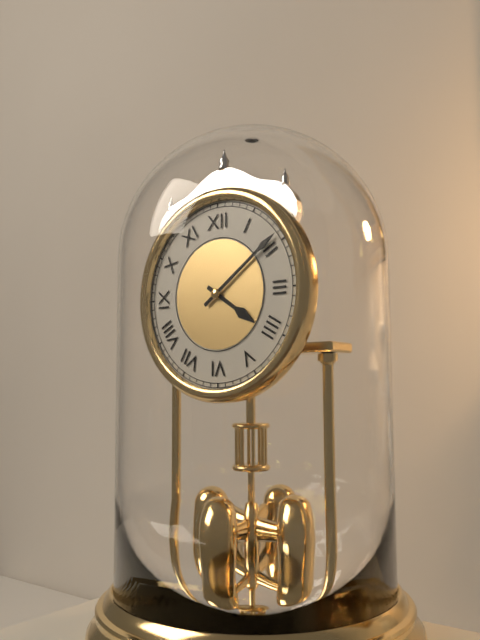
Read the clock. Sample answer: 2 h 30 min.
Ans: 4 h 09 min
